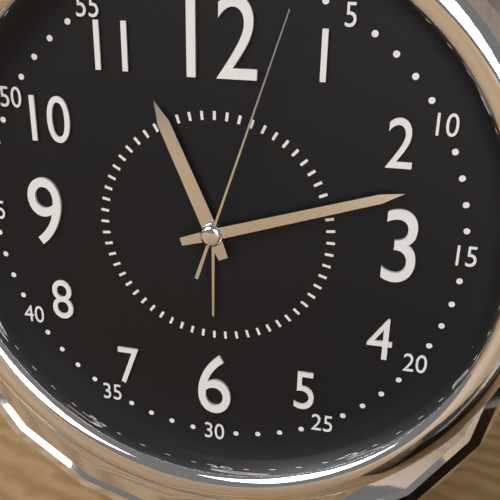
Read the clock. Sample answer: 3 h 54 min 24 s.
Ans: 11 h 12 min 03 s
